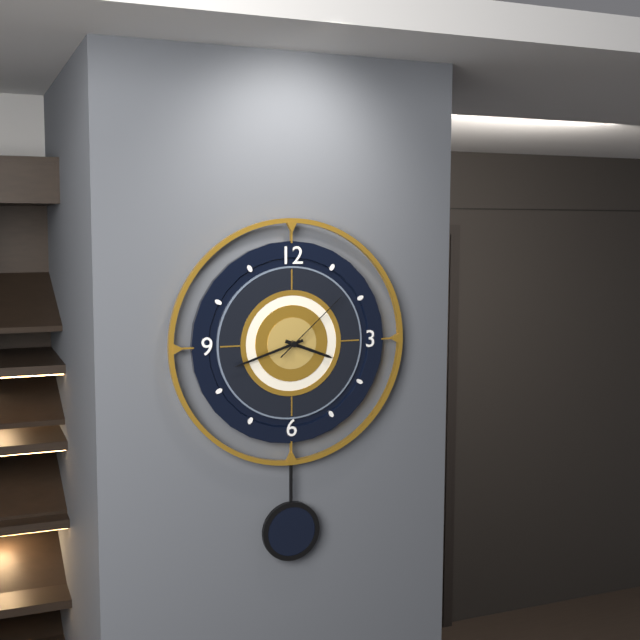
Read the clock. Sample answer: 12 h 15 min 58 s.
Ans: 3 h 42 min 08 s
